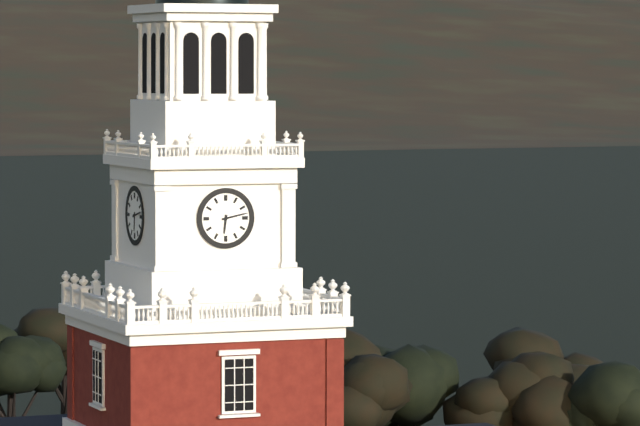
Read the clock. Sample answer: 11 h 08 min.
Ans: 6 h 13 min
